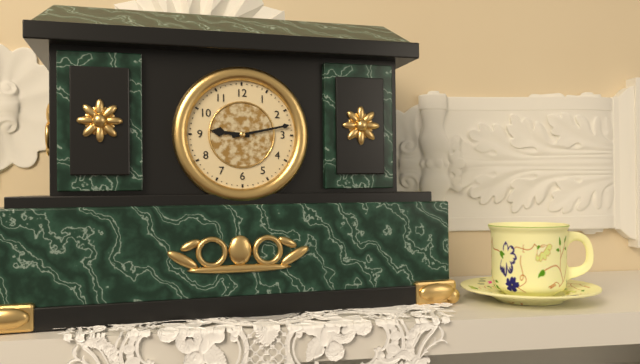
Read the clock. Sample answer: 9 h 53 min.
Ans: 9 h 13 min
